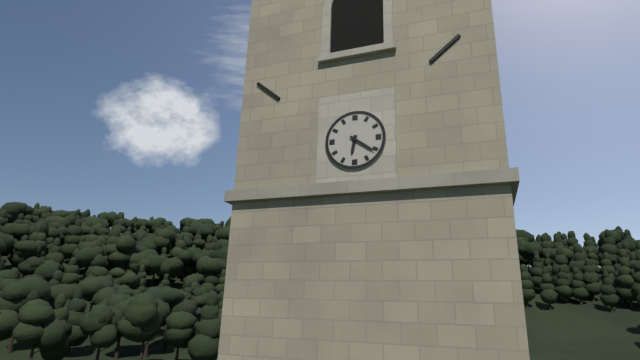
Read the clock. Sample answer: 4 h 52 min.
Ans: 6 h 21 min
